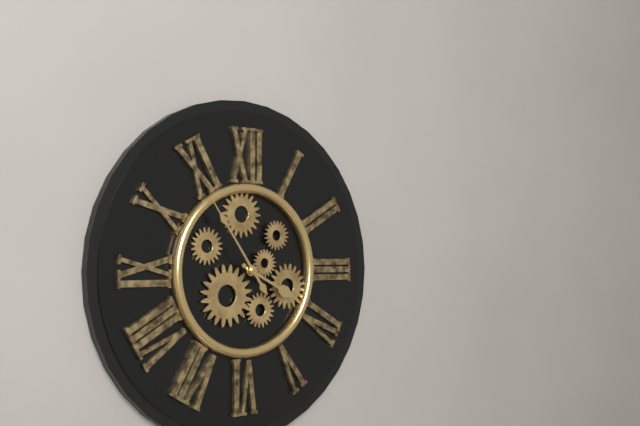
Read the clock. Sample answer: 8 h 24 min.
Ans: 3 h 54 min
